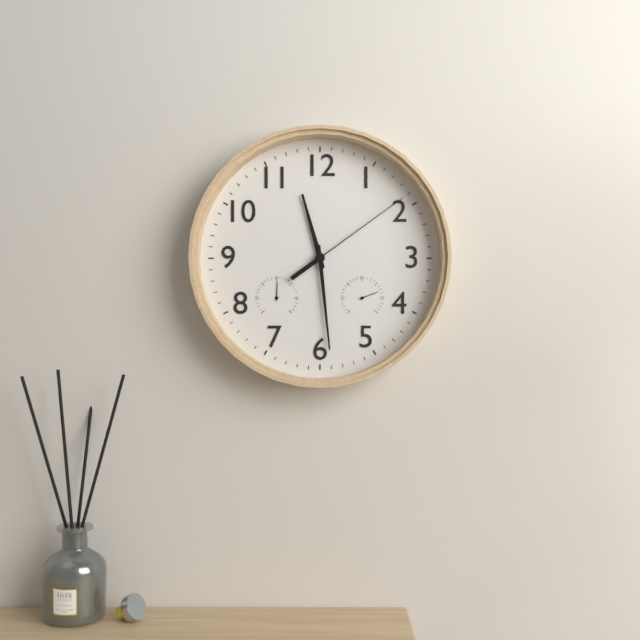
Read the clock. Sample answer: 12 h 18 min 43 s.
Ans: 11 h 29 min 09 s
